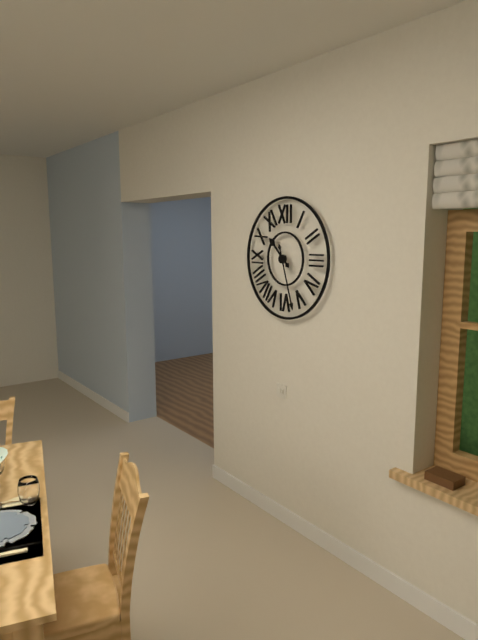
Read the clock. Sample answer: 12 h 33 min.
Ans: 10 h 27 min
